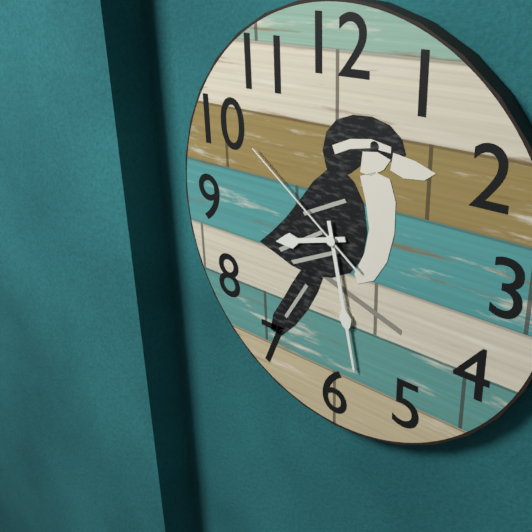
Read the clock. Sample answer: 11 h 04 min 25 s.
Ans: 8 h 28 min 51 s
